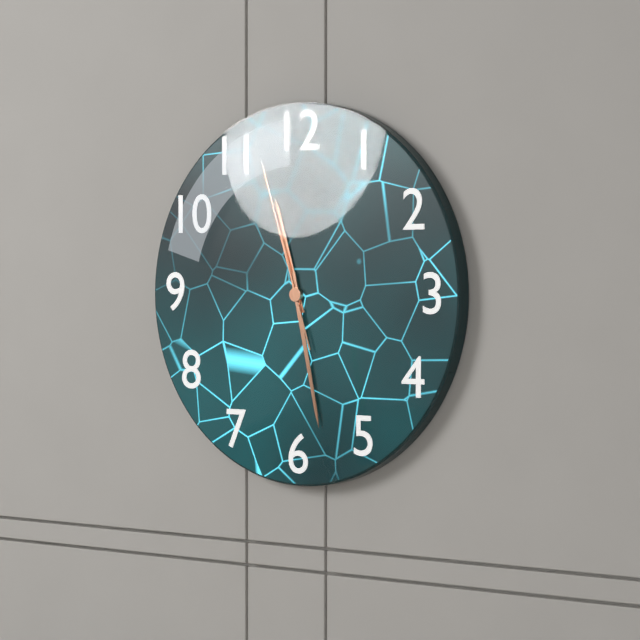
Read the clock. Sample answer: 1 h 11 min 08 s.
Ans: 11 h 28 min 57 s
